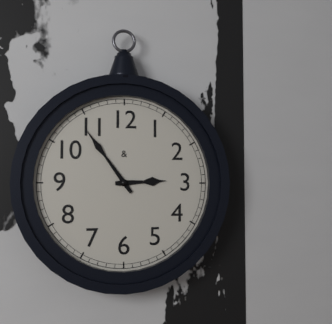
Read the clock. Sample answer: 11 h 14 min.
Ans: 2 h 54 min
